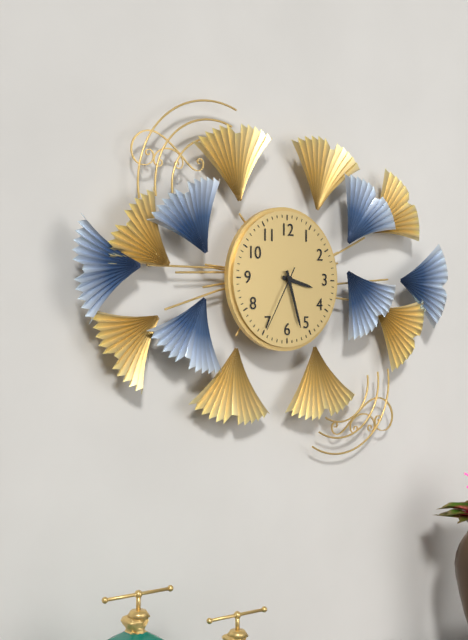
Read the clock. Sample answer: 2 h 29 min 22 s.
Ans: 3 h 27 min 35 s
